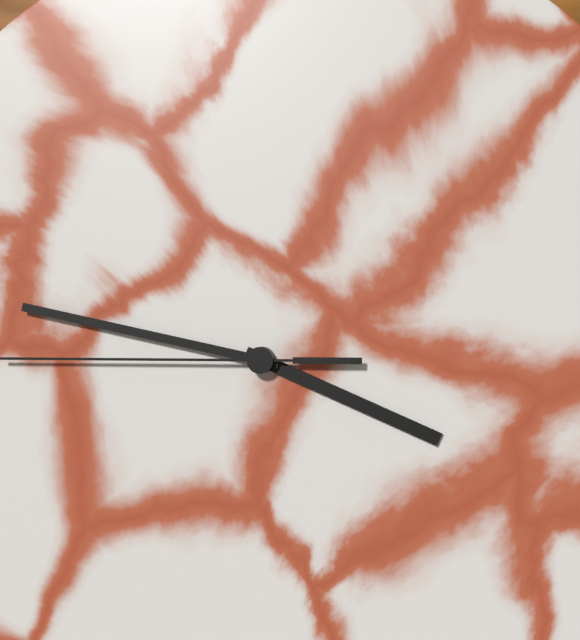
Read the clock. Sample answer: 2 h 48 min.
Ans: 3 h 47 min
